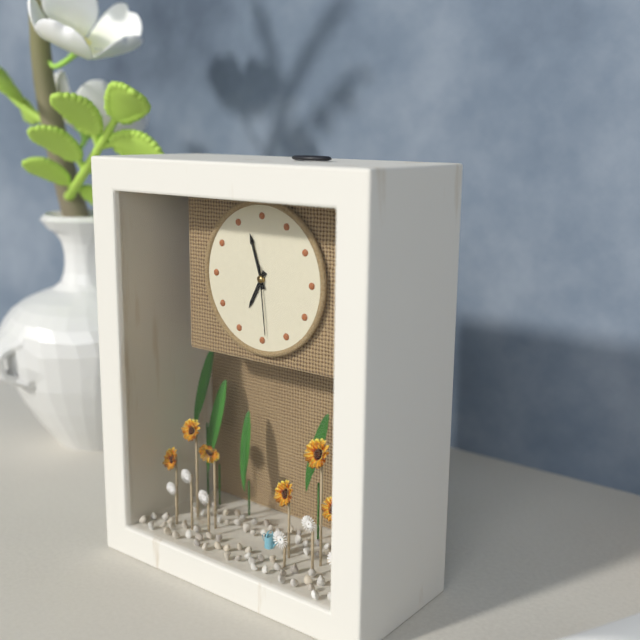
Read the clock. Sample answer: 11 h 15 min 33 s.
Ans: 6 h 57 min 29 s
